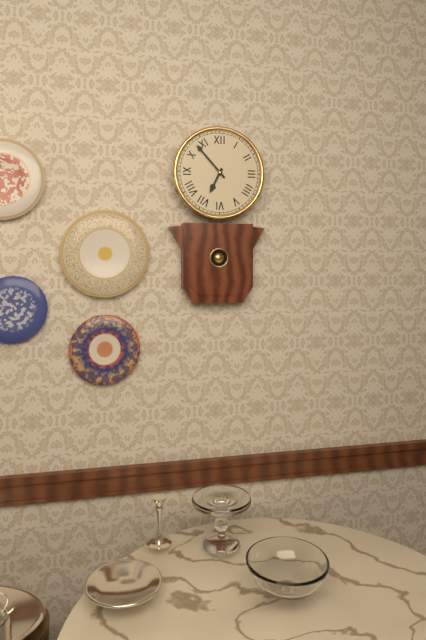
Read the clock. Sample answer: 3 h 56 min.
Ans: 6 h 53 min
